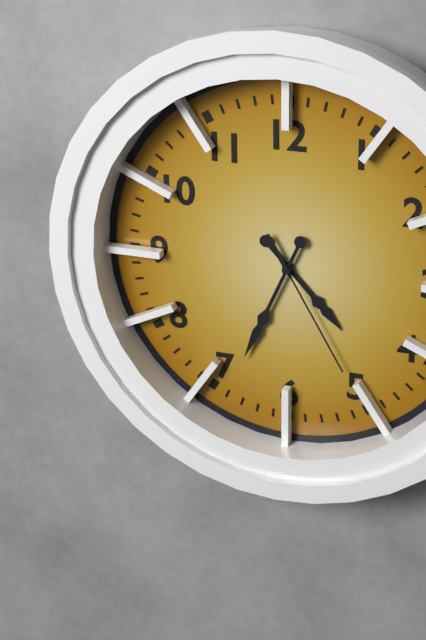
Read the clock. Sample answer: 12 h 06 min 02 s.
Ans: 4 h 34 min 25 s
